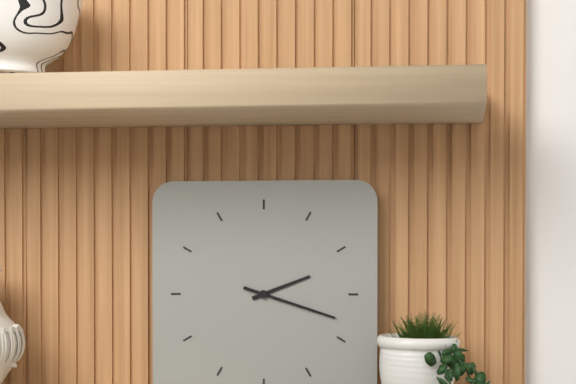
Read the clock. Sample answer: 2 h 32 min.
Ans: 2 h 18 min
